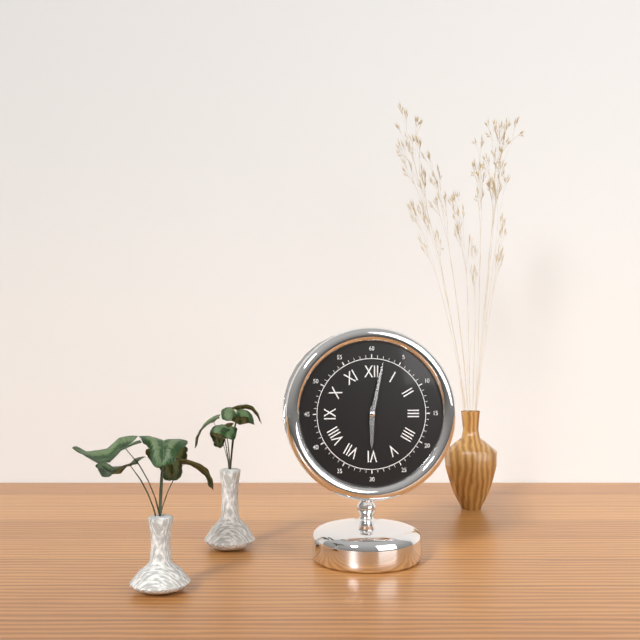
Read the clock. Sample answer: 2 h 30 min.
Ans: 6 h 02 min
